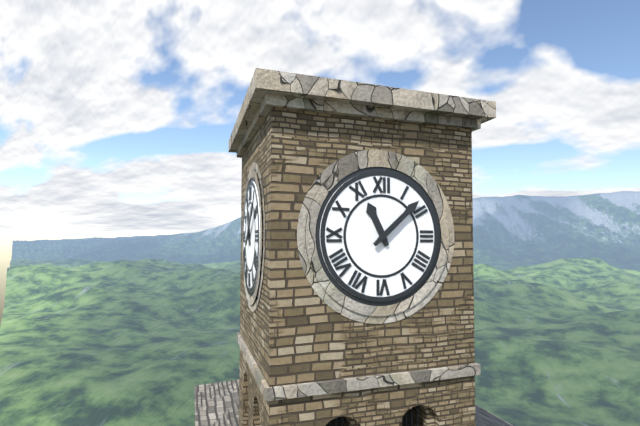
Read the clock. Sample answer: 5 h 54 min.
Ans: 11 h 08 min
